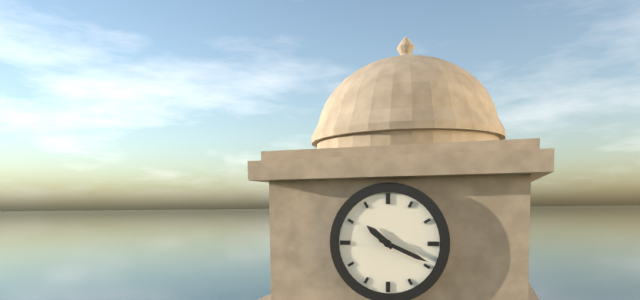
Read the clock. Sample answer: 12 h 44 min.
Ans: 10 h 19 min
